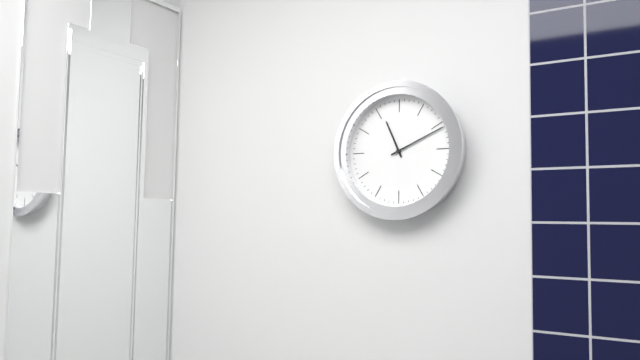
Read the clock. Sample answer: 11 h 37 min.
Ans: 11 h 11 min
